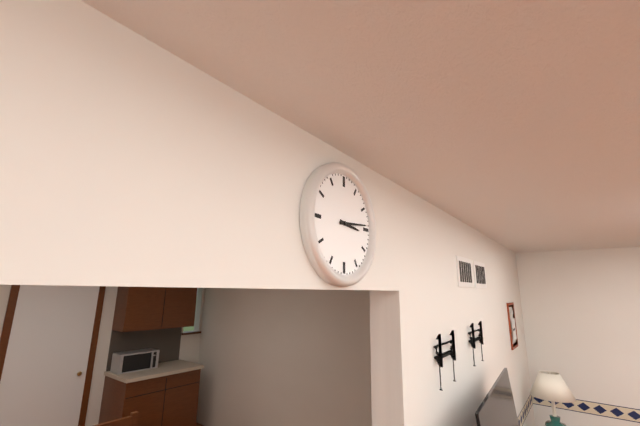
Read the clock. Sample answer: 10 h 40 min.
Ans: 3 h 14 min
